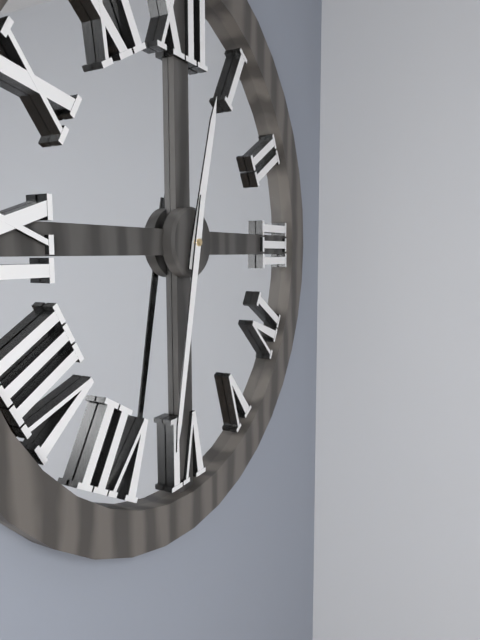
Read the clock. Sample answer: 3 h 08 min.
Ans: 12 h 32 min
